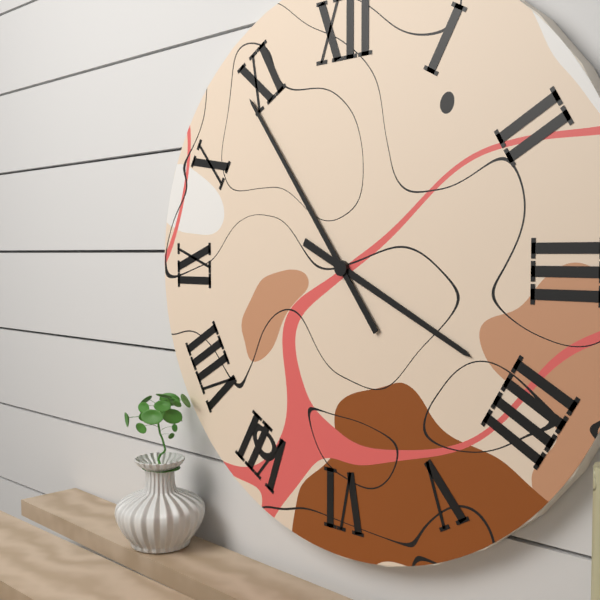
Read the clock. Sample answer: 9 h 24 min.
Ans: 3 h 54 min
